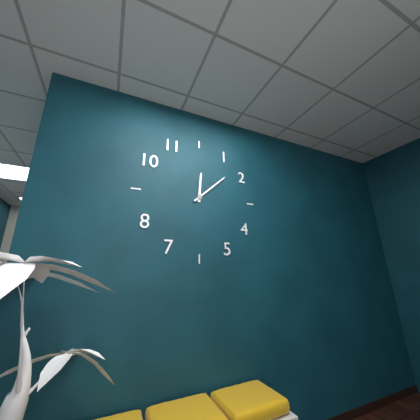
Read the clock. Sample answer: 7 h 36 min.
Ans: 12 h 08 min
